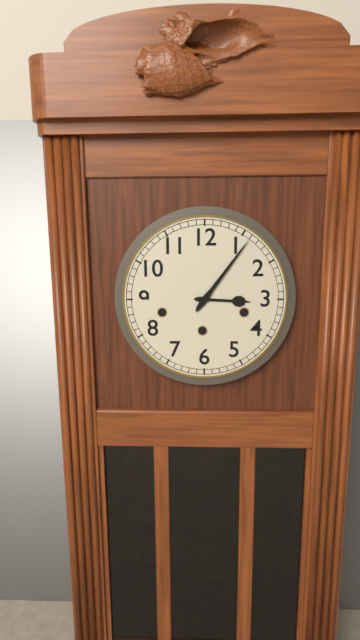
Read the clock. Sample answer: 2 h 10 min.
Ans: 3 h 06 min
